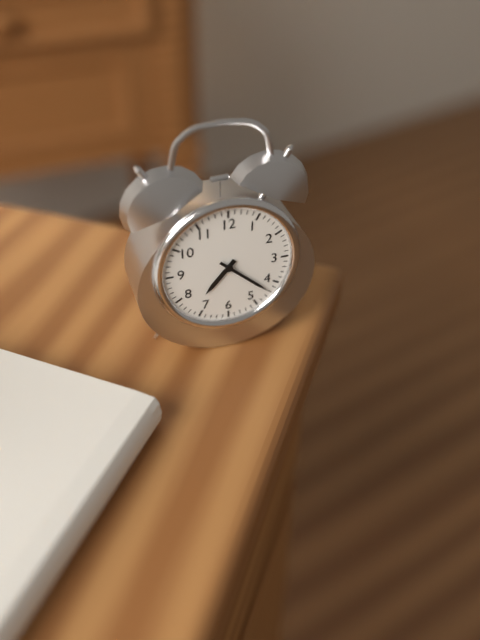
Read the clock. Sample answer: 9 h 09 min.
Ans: 7 h 22 min
